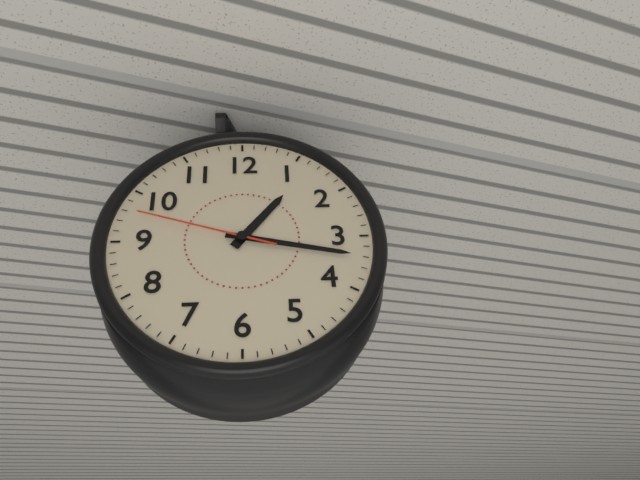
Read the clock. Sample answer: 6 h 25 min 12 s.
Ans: 1 h 17 min 48 s
